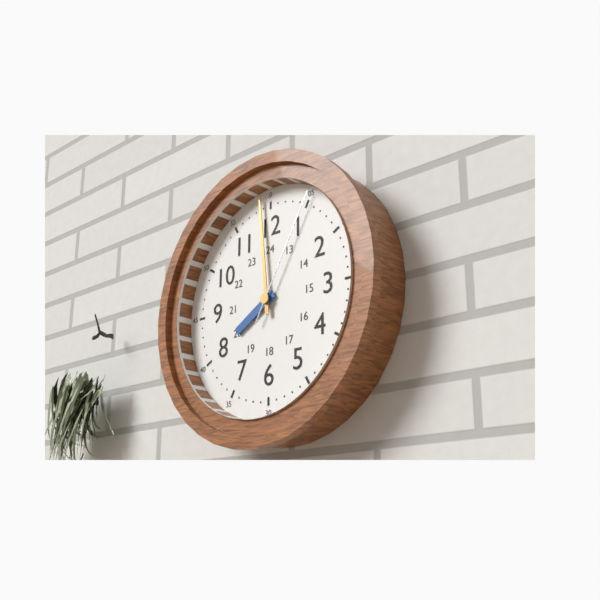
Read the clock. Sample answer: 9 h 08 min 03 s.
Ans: 7 h 59 min 05 s
